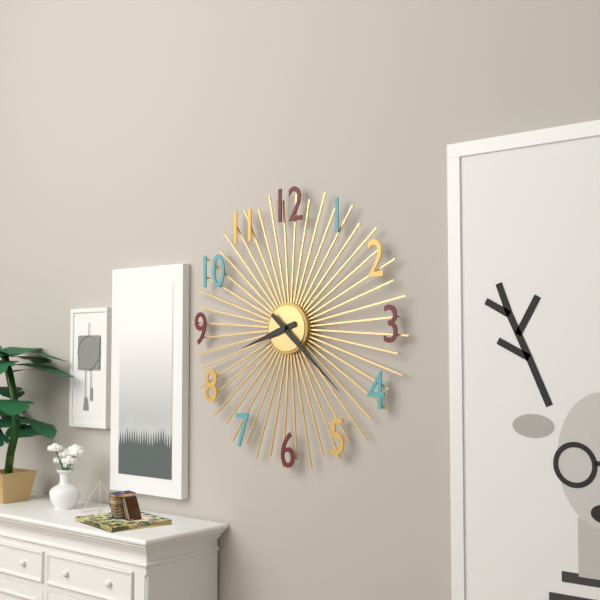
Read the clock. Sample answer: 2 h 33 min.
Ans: 8 h 22 min
